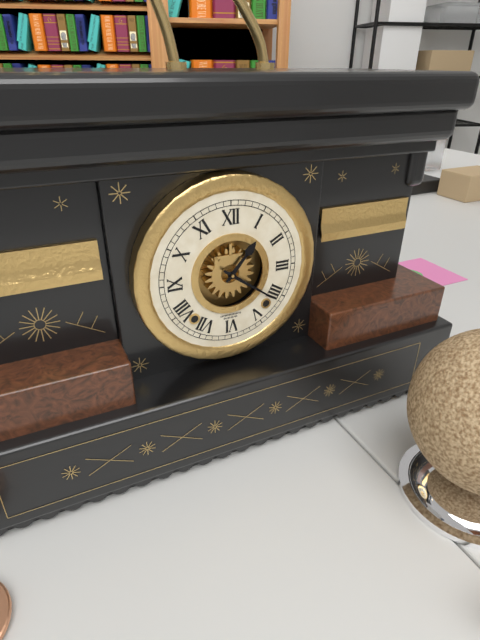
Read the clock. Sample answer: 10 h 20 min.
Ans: 1 h 21 min
